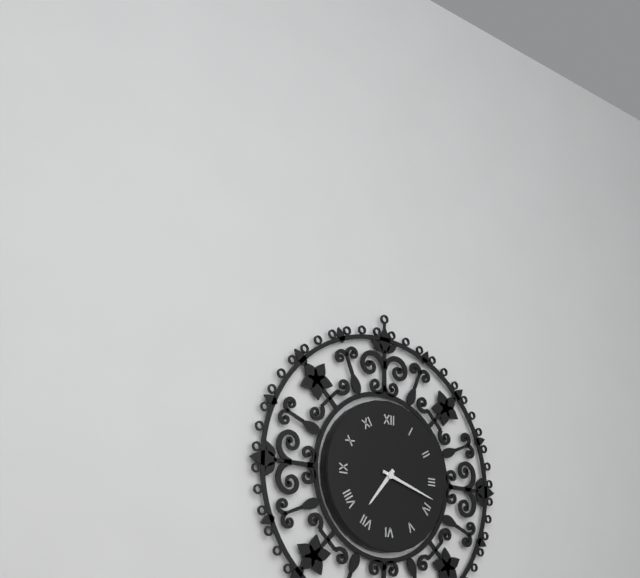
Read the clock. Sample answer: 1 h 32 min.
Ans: 7 h 18 min
